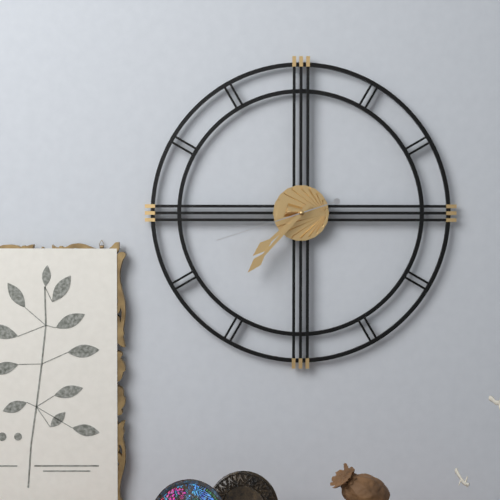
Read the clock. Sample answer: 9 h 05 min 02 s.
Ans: 7 h 37 min 42 s
